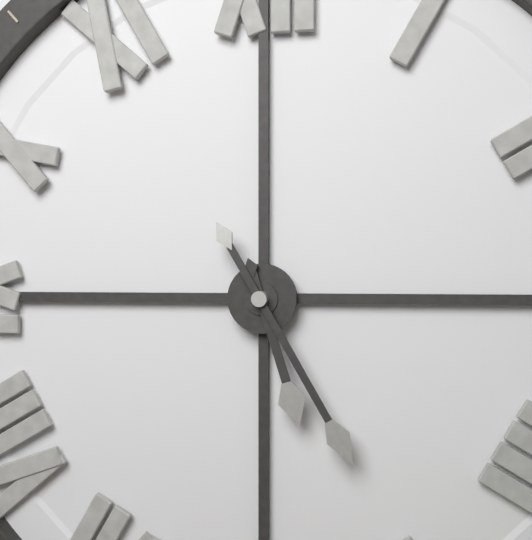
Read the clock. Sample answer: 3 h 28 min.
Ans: 5 h 25 min
